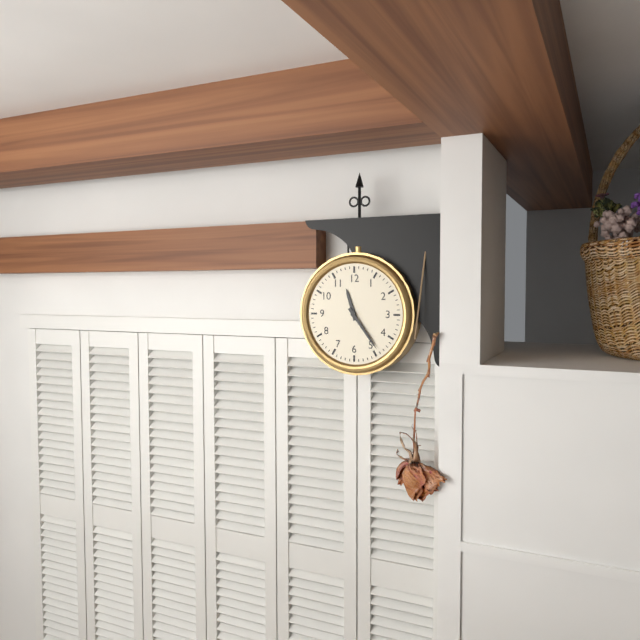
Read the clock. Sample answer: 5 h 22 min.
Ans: 11 h 24 min
